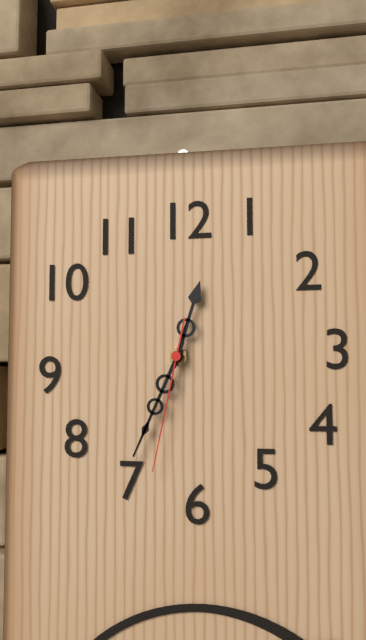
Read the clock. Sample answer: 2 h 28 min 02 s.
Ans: 12 h 34 min 32 s
